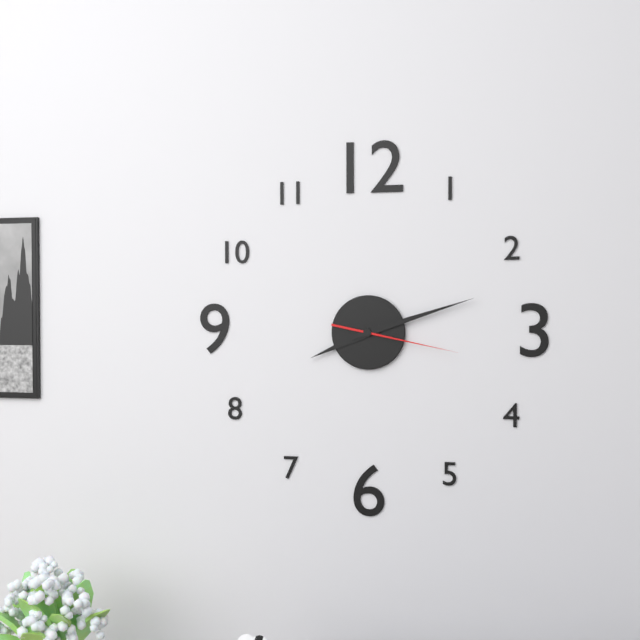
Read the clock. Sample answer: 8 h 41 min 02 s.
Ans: 8 h 12 min 17 s
